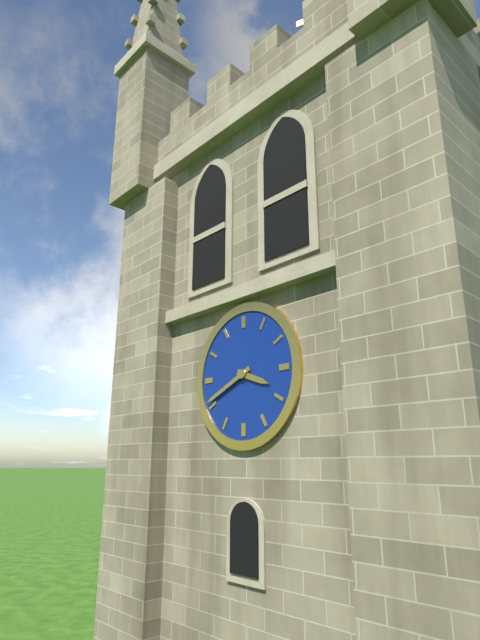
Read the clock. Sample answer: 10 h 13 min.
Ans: 3 h 41 min
